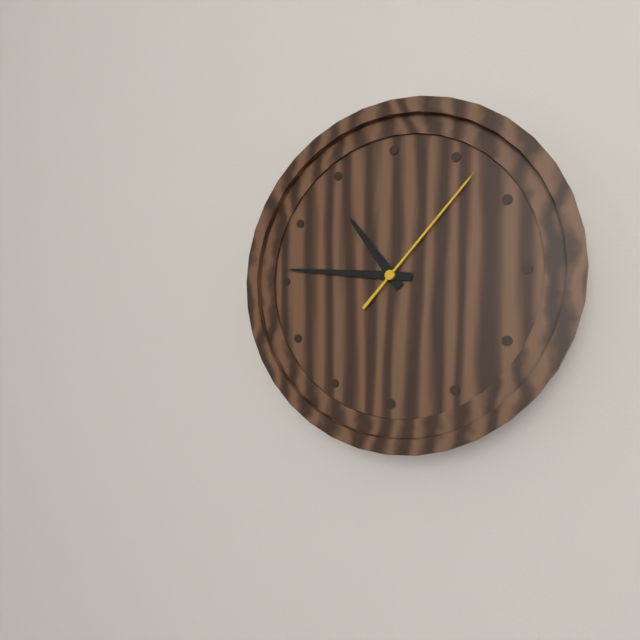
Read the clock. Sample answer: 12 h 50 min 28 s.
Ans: 10 h 46 min 07 s
